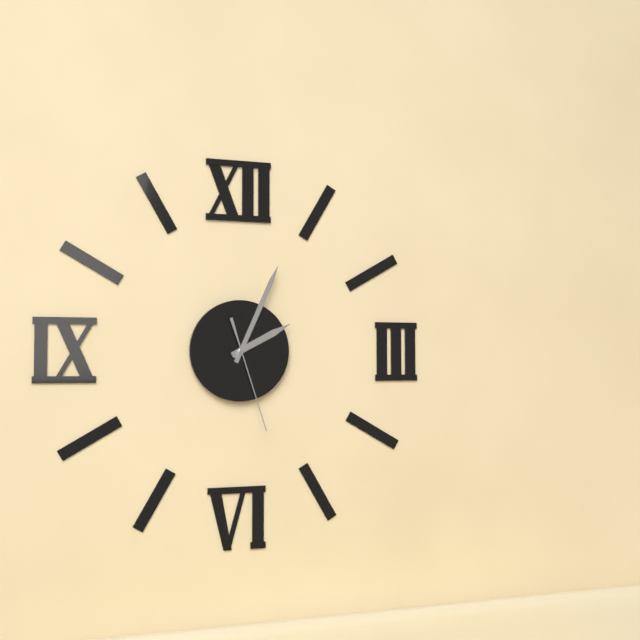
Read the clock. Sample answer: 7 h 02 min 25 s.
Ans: 2 h 04 min 27 s
